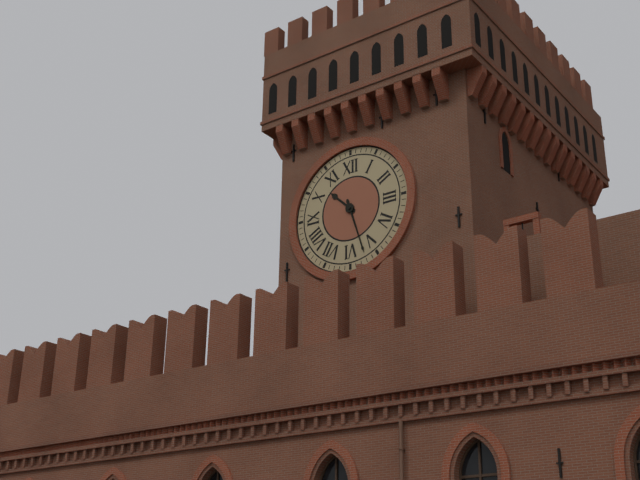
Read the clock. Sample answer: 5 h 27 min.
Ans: 10 h 27 min
